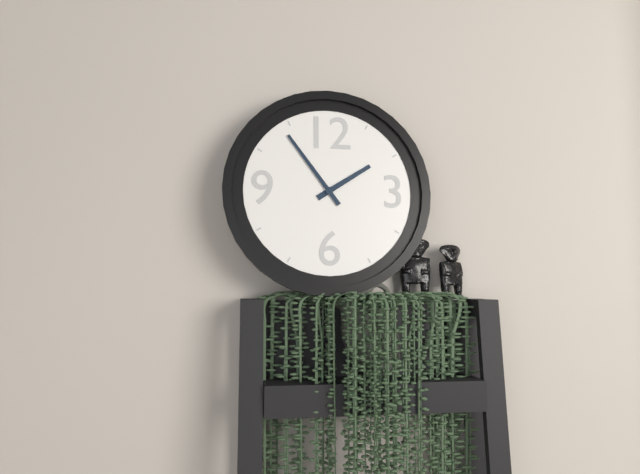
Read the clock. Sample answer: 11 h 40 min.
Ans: 1 h 54 min
